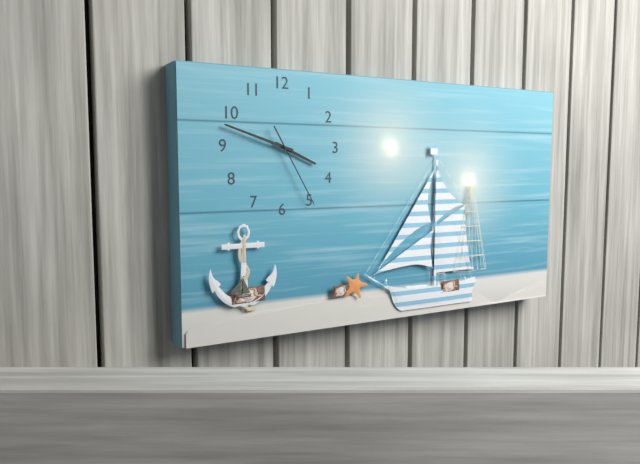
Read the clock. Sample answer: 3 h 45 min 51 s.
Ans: 3 h 48 min 25 s
